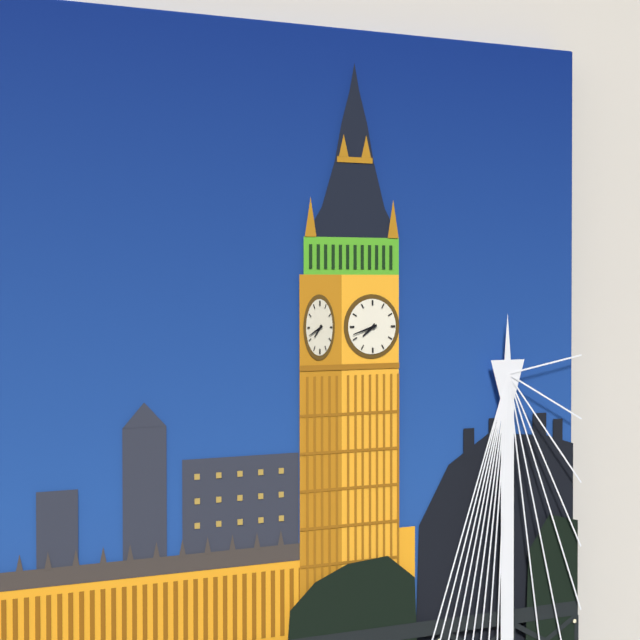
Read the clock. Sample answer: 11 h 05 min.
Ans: 7 h 42 min
